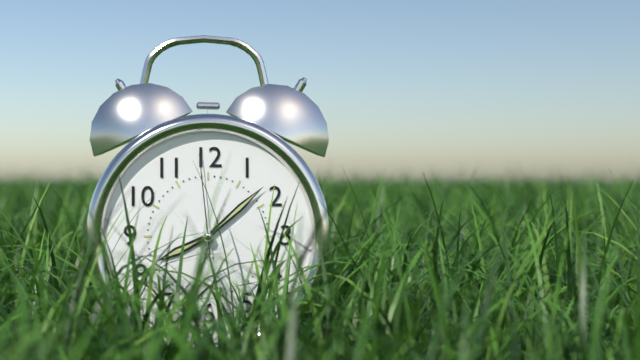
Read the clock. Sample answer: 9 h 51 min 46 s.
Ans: 8 h 08 min 59 s
